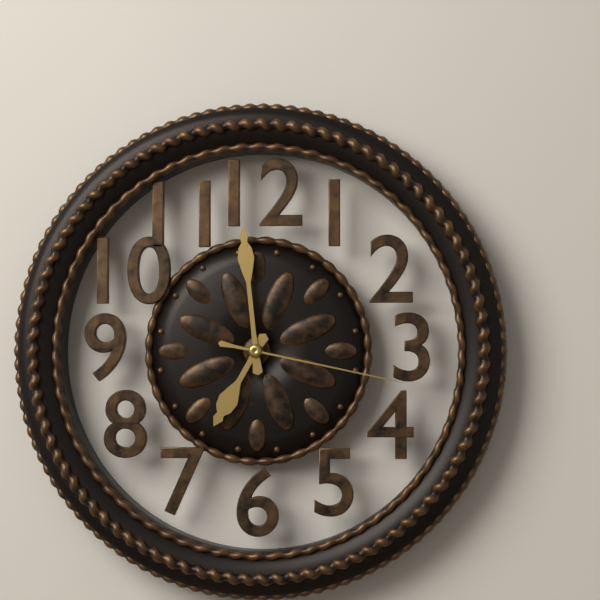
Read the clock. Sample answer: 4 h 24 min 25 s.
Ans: 6 h 59 min 17 s
